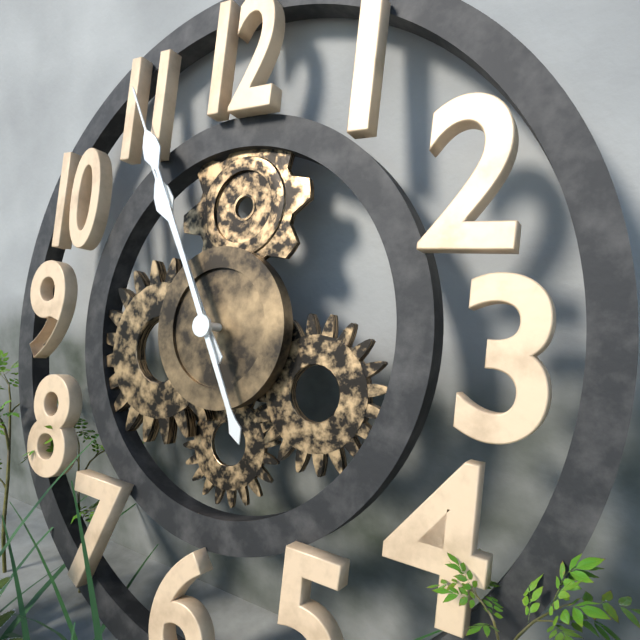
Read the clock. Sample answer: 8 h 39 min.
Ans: 10 h 55 min
